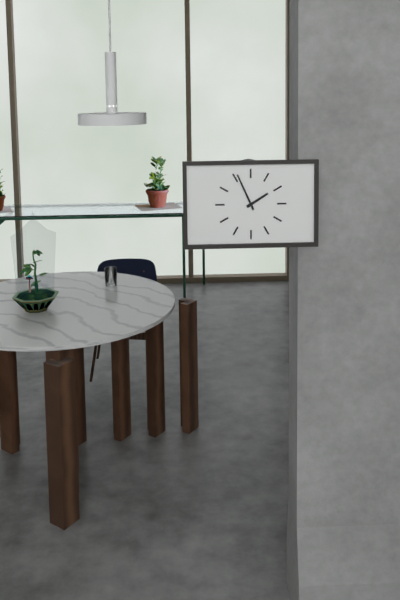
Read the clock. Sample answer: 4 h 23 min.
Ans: 1 h 56 min
